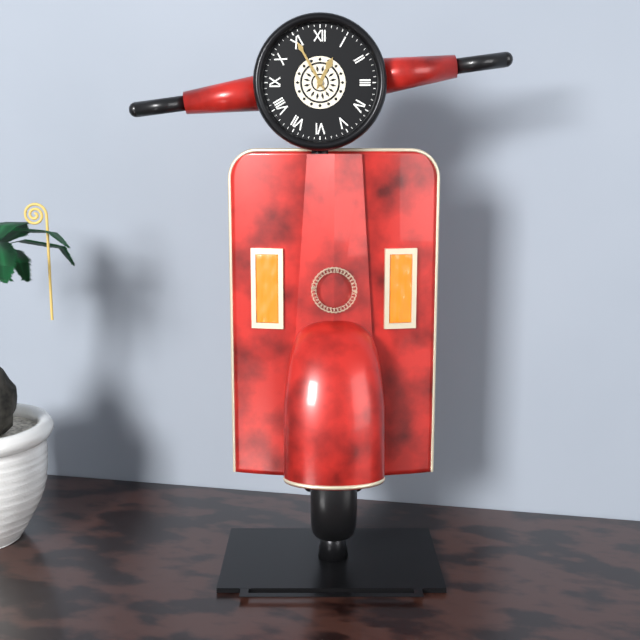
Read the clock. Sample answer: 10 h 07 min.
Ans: 12 h 55 min
